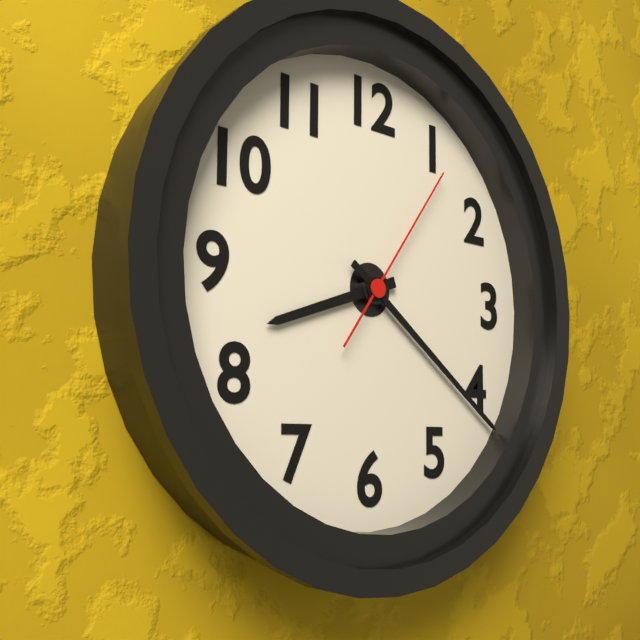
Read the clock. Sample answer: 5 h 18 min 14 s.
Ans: 8 h 21 min 06 s
